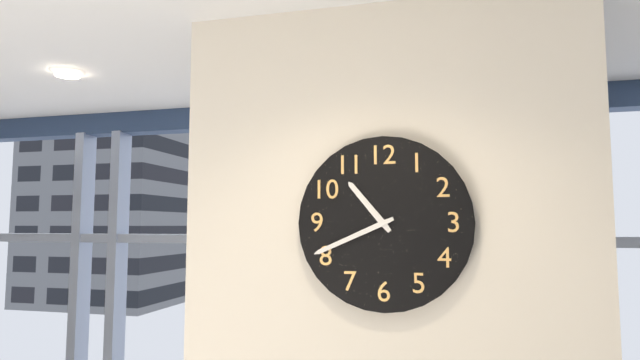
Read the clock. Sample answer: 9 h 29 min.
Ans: 10 h 41 min
